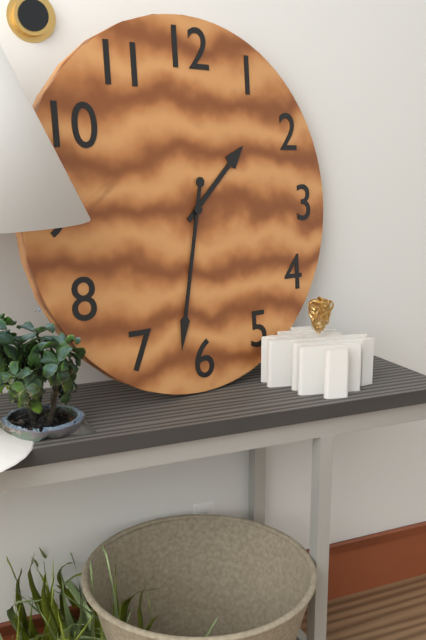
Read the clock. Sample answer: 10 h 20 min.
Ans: 1 h 32 min
